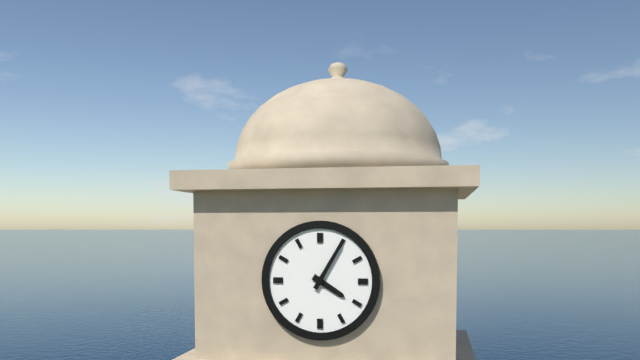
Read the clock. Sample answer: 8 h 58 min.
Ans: 4 h 05 min
